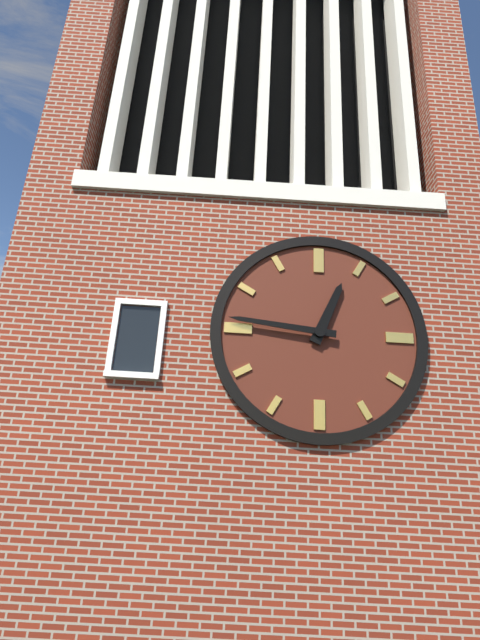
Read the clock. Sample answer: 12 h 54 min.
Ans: 12 h 46 min
